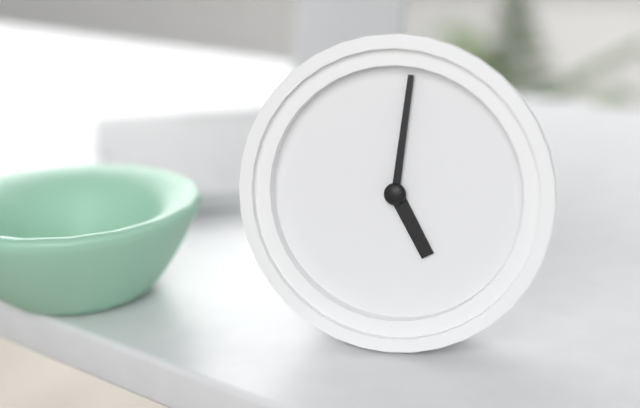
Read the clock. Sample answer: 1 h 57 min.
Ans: 5 h 01 min
